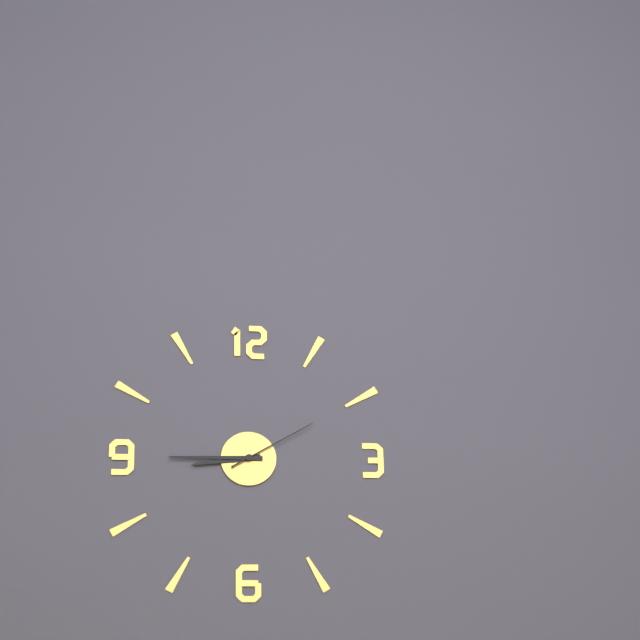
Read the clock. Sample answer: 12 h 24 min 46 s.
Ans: 8 h 45 min 10 s
